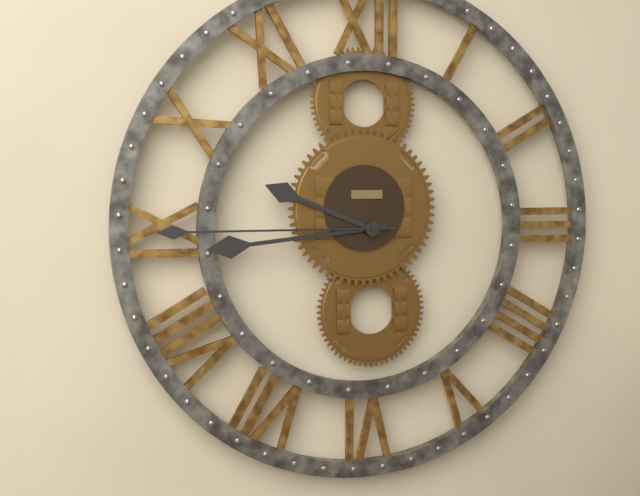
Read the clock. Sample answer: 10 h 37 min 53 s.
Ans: 9 h 44 min 45 s
